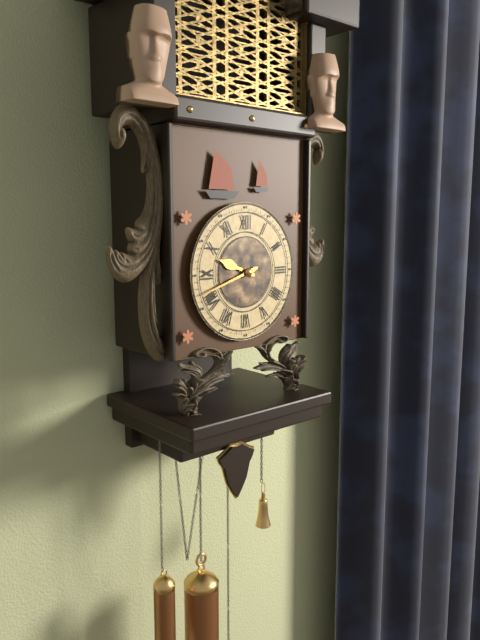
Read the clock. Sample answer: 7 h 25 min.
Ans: 9 h 42 min
